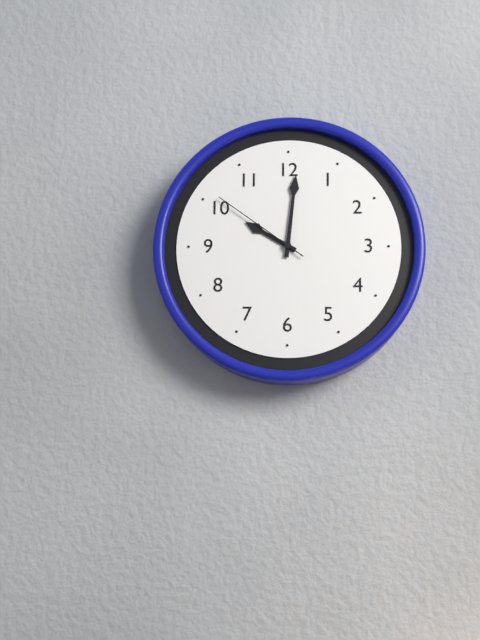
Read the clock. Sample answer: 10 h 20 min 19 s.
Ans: 10 h 01 min 51 s
